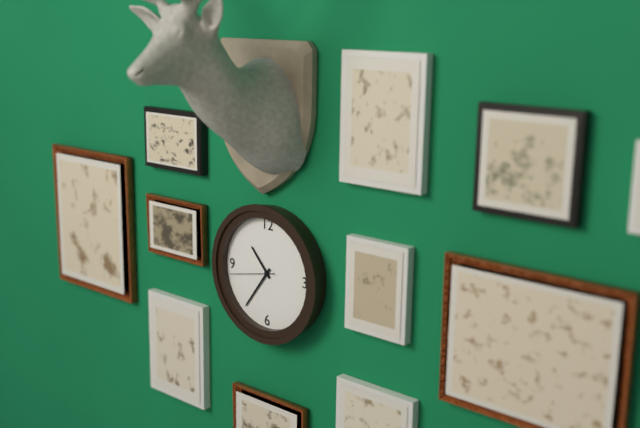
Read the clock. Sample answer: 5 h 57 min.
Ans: 10 h 36 min
